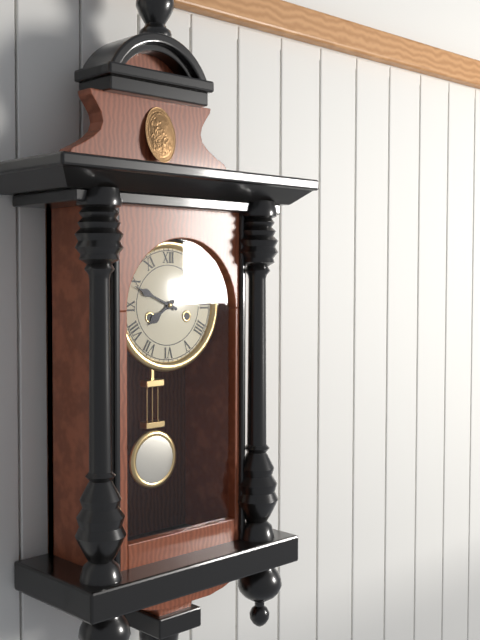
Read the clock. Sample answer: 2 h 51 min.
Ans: 7 h 49 min
